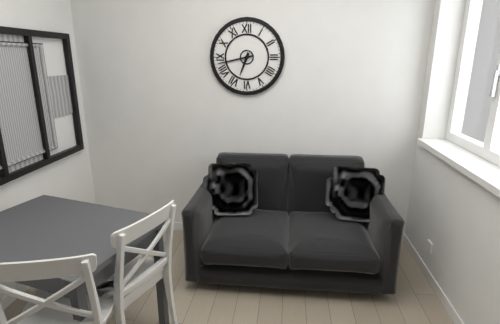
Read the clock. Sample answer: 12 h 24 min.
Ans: 6 h 43 min
